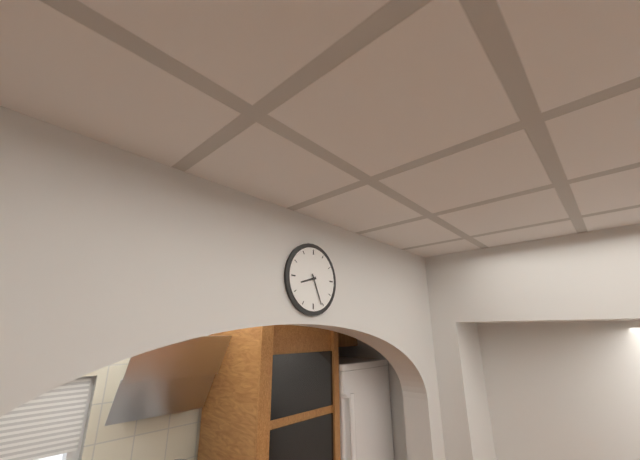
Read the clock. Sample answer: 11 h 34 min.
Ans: 8 h 26 min
